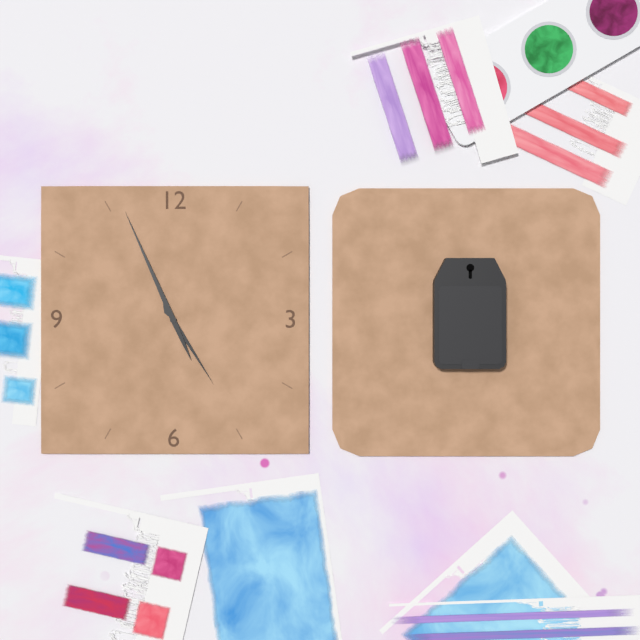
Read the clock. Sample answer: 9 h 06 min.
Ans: 4 h 56 min
